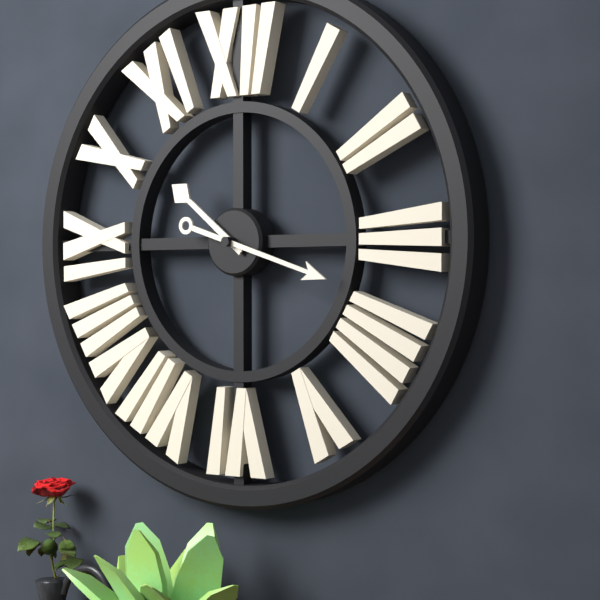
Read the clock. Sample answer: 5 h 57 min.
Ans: 10 h 18 min
